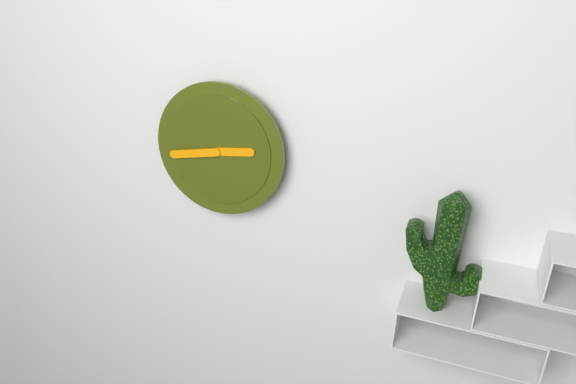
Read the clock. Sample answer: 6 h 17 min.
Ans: 2 h 43 min
